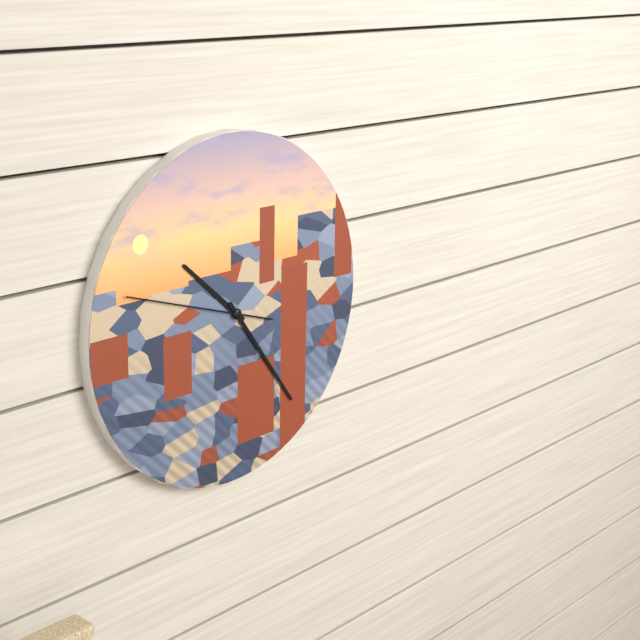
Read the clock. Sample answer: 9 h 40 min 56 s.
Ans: 10 h 24 min 48 s
